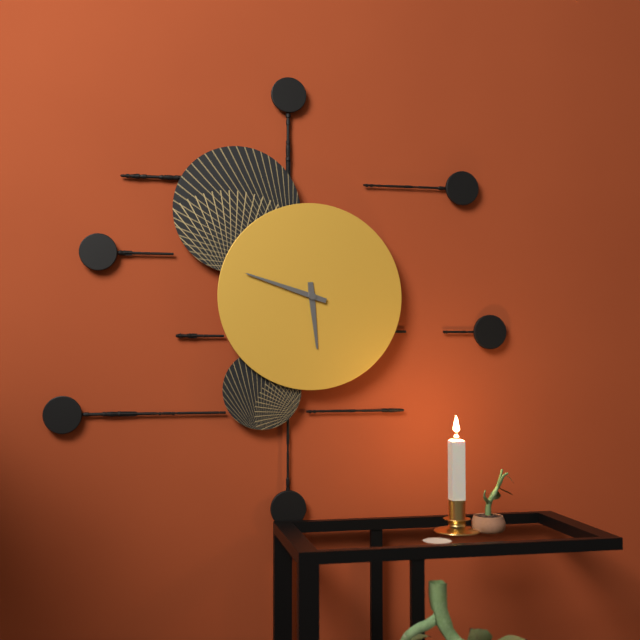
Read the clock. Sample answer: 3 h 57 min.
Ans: 5 h 48 min
